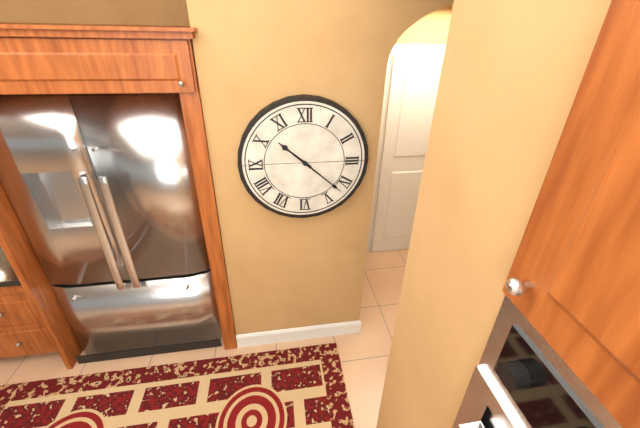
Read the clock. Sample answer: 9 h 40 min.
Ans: 10 h 22 min
